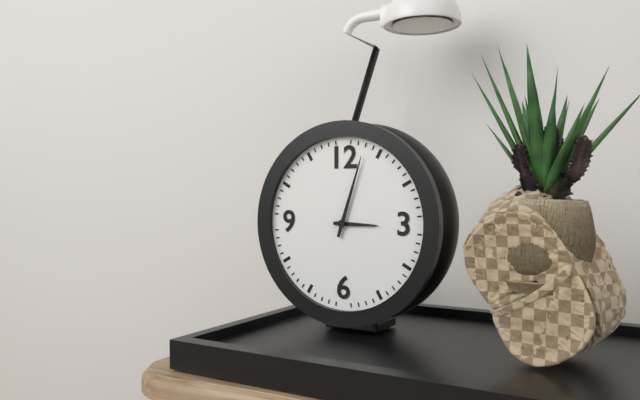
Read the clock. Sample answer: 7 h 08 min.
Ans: 3 h 03 min
